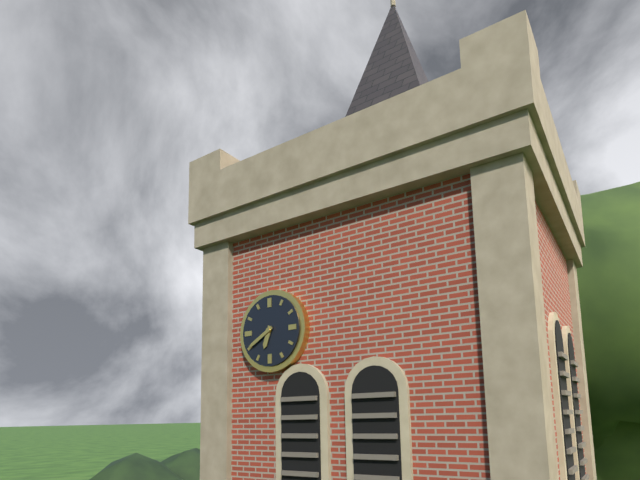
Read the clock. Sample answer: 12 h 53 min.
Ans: 6 h 40 min
